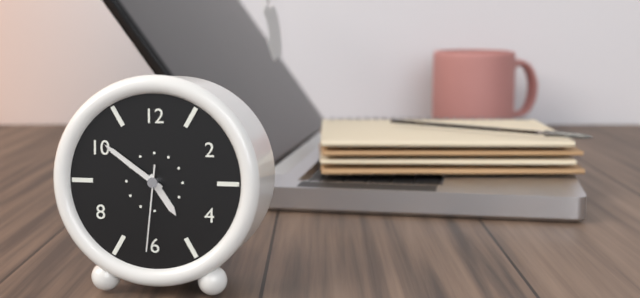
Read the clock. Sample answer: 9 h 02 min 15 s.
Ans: 4 h 51 min 31 s
